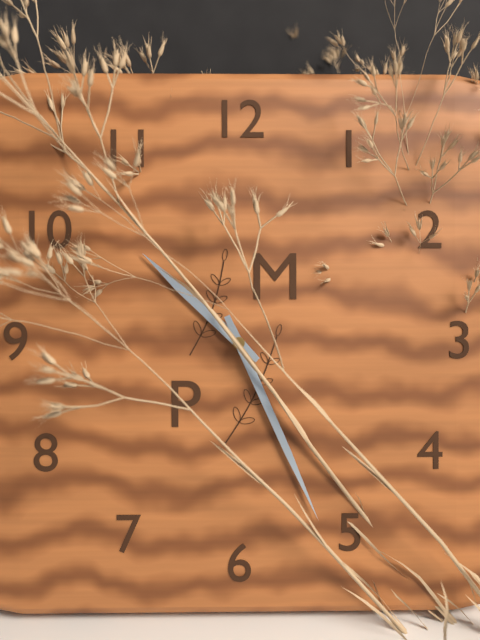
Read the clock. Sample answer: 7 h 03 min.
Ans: 10 h 26 min
